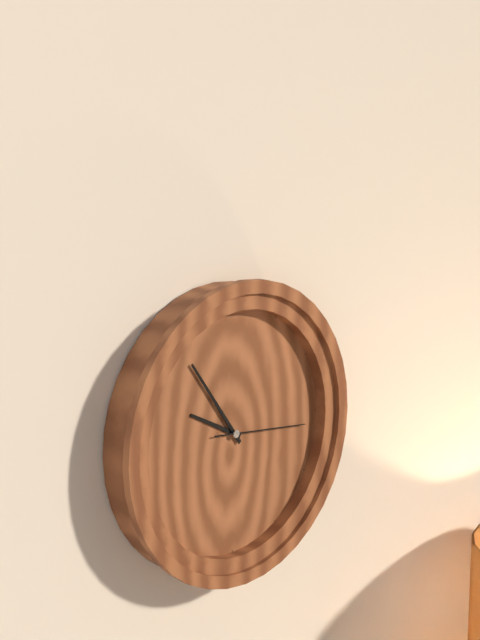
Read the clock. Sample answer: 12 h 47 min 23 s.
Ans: 9 h 54 min 16 s
